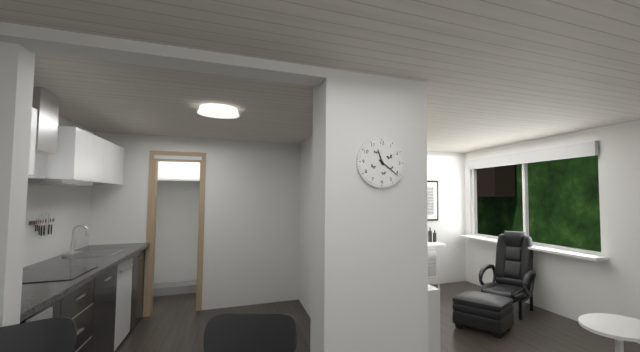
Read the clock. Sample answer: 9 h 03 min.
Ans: 11 h 21 min
